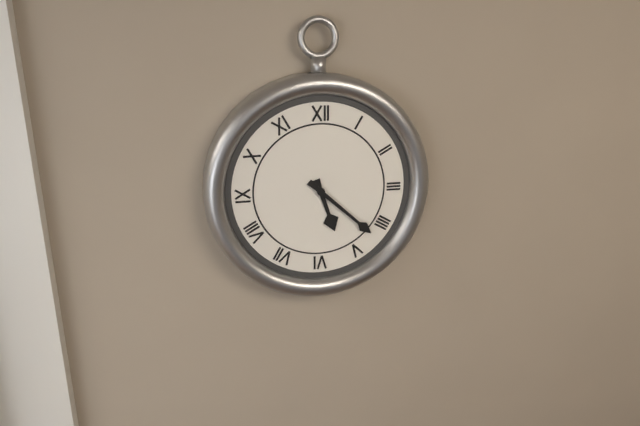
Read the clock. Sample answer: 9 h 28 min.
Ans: 5 h 22 min
